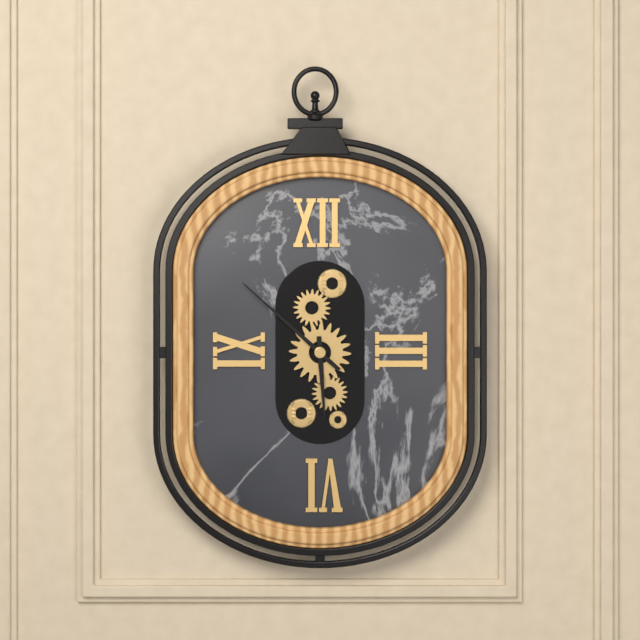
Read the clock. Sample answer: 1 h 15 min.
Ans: 5 h 52 min
